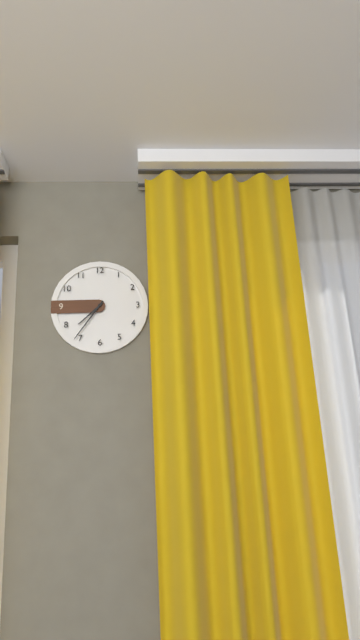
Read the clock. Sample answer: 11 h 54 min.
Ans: 7 h 36 min
